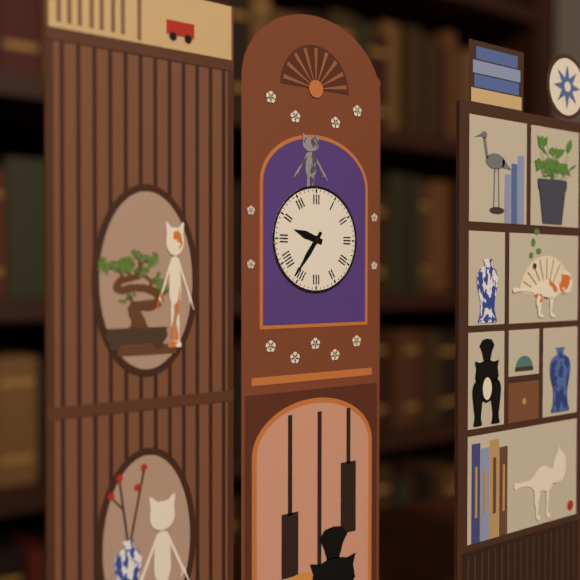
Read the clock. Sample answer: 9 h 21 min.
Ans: 9 h 36 min
